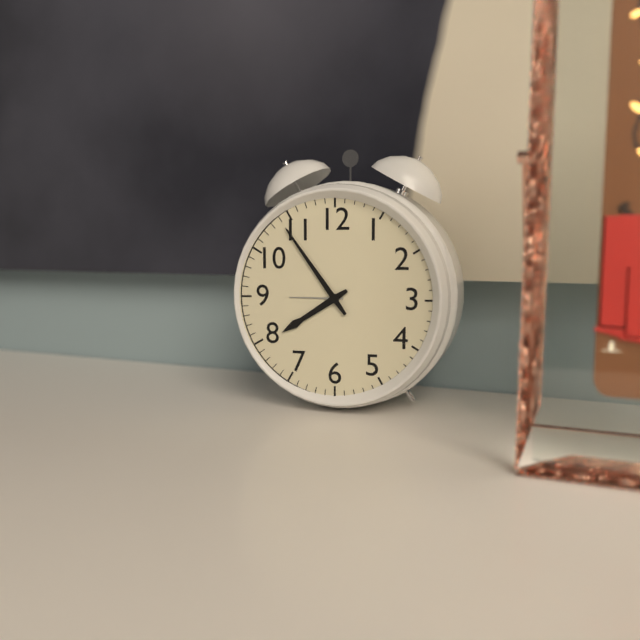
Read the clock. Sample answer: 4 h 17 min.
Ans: 7 h 54 min
